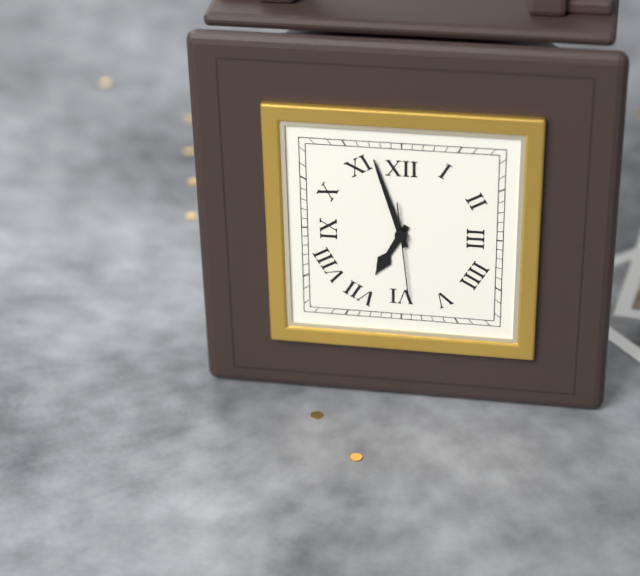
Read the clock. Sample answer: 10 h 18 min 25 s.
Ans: 6 h 57 min 29 s
